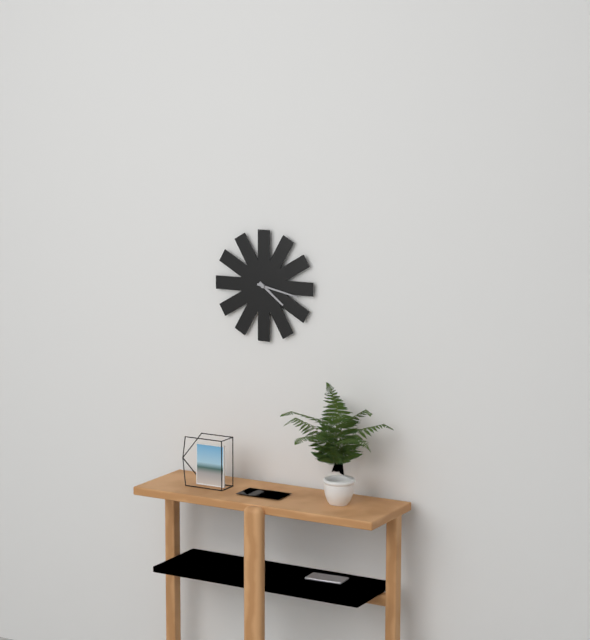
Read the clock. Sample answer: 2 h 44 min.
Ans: 4 h 17 min
